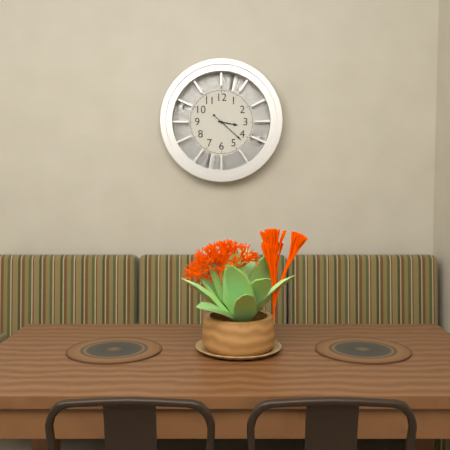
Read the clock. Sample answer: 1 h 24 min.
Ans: 3 h 22 min
